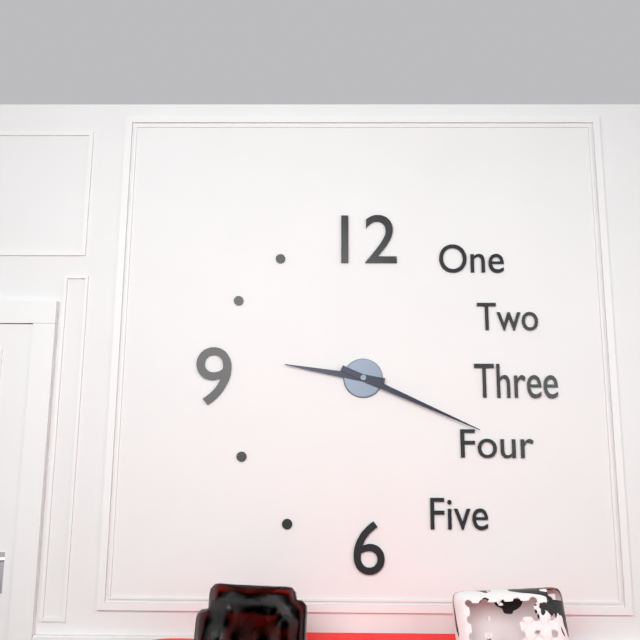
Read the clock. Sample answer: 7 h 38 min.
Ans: 9 h 19 min
